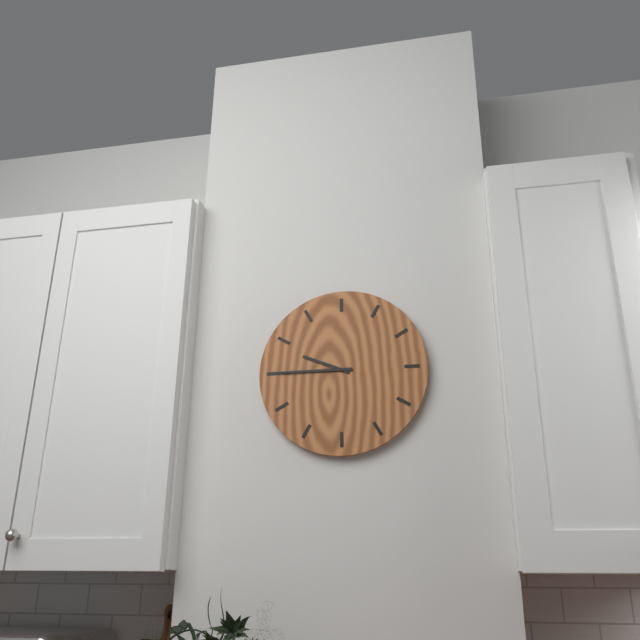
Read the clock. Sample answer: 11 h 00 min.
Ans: 9 h 45 min
